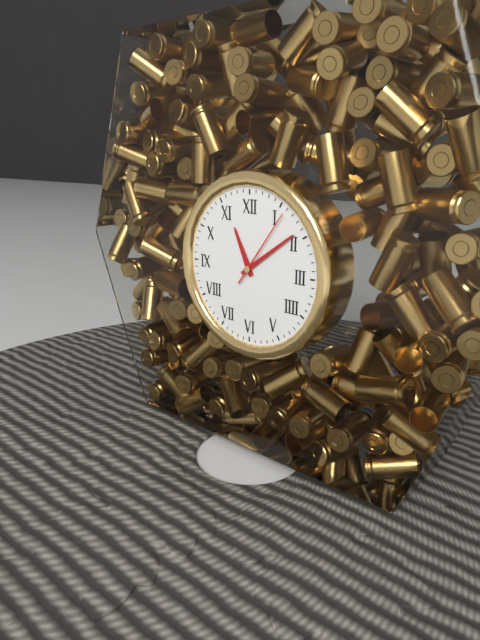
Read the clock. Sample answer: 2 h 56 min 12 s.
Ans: 11 h 09 min 06 s
